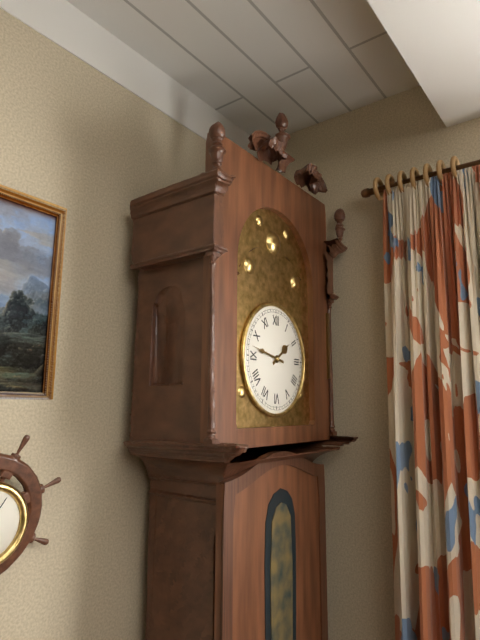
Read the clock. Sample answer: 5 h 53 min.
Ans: 1 h 47 min
